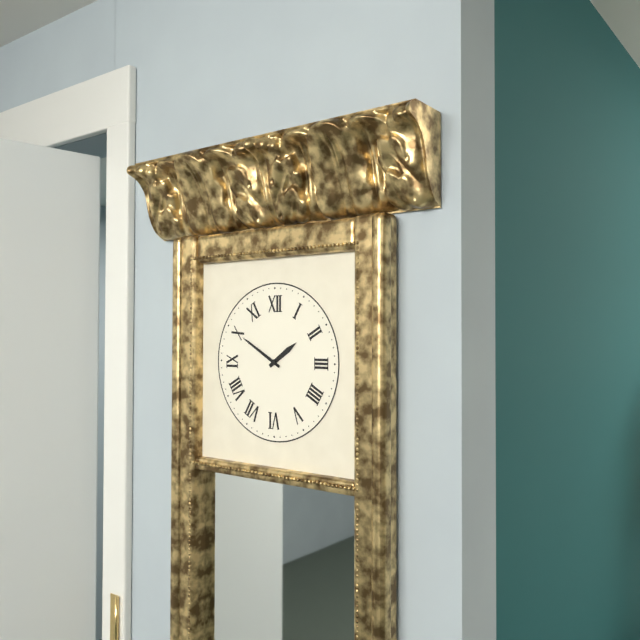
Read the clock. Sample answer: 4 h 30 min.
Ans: 1 h 50 min
